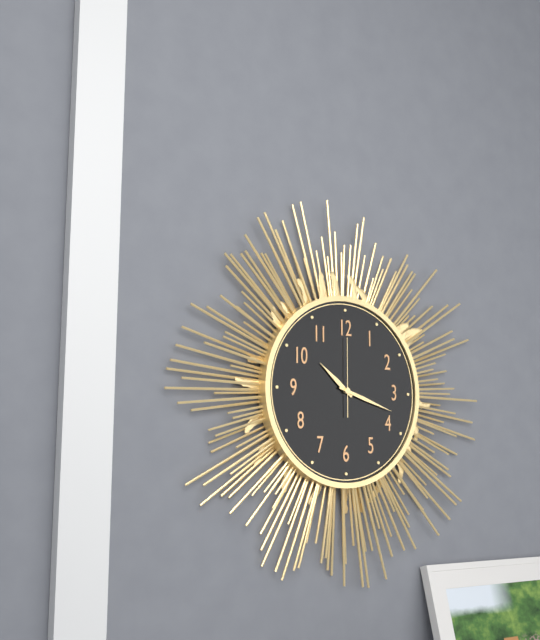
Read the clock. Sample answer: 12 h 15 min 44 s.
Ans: 10 h 18 min 00 s
